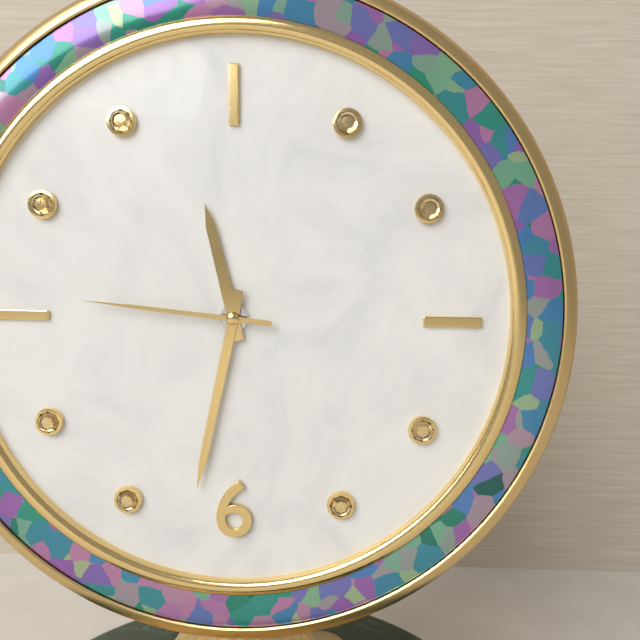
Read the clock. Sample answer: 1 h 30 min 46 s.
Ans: 11 h 32 min 46 s
